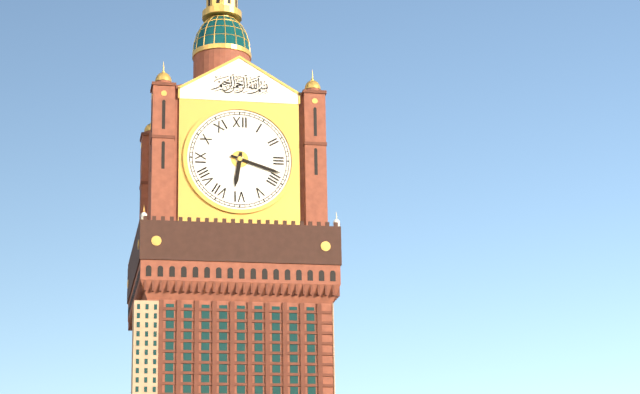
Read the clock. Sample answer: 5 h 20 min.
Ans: 6 h 18 min
